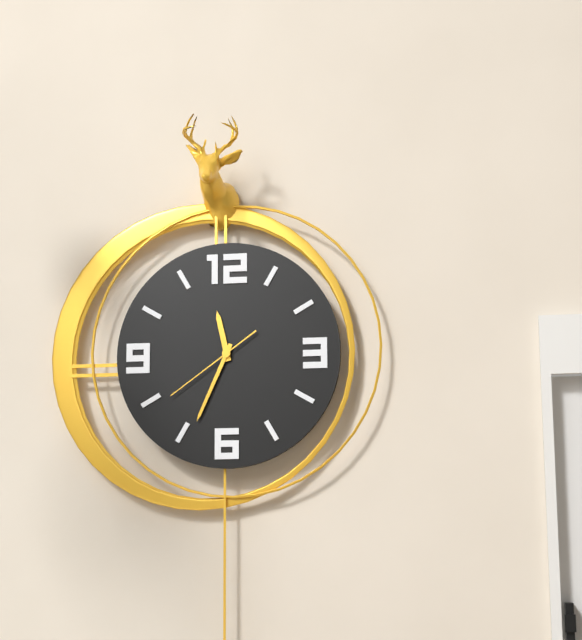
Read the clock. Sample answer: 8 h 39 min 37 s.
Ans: 11 h 34 min 39 s
